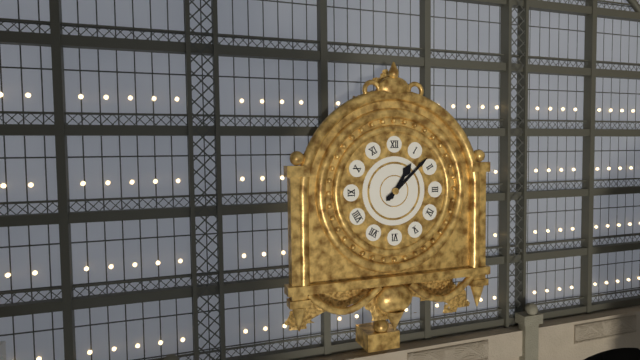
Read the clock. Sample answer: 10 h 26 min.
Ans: 1 h 08 min
